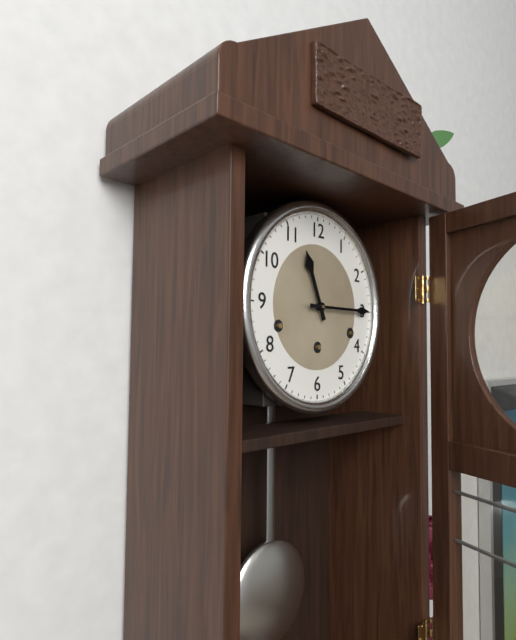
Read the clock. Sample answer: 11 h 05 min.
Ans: 11 h 15 min
